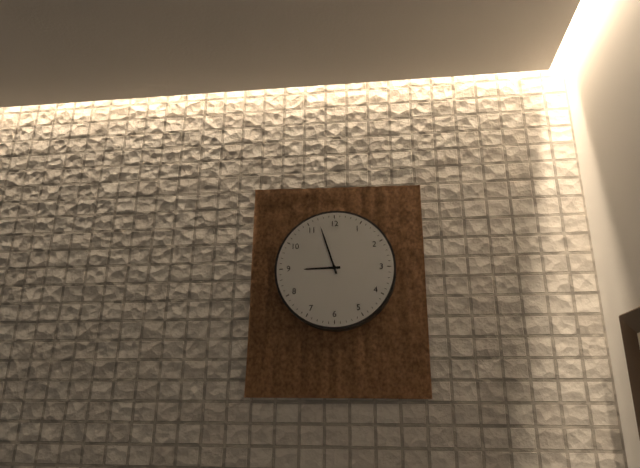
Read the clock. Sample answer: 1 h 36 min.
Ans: 8 h 57 min
